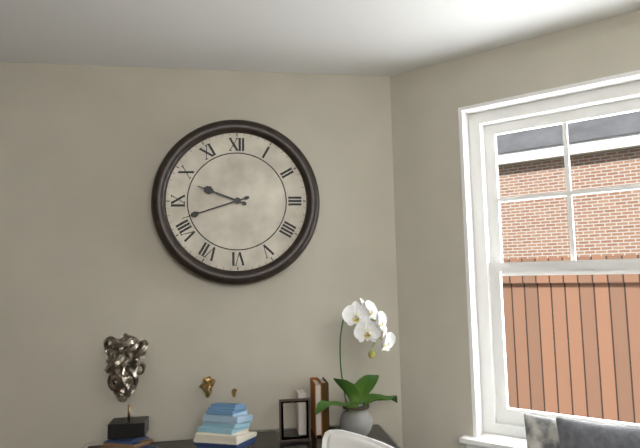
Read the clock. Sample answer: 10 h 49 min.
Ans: 9 h 42 min
